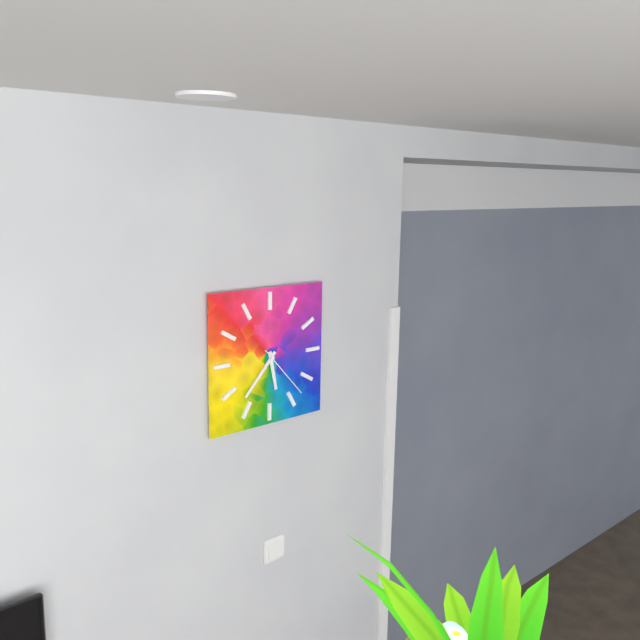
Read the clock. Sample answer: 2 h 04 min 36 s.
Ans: 5 h 37 min 23 s
